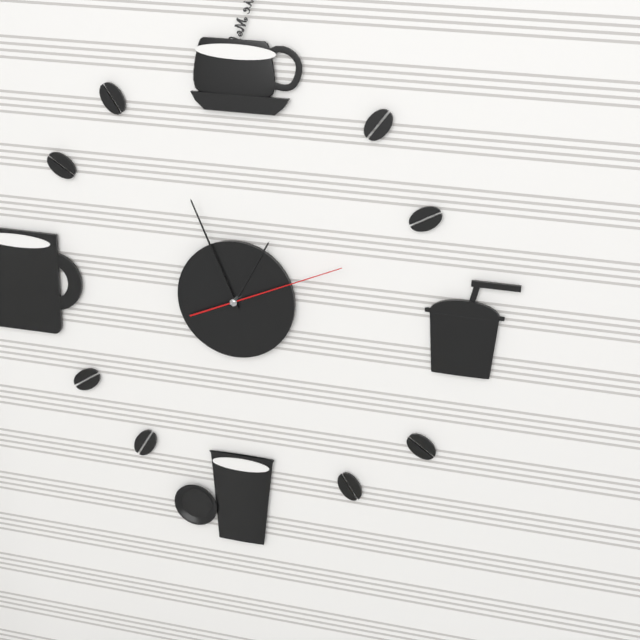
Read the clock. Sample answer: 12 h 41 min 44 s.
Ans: 12 h 56 min 11 s
